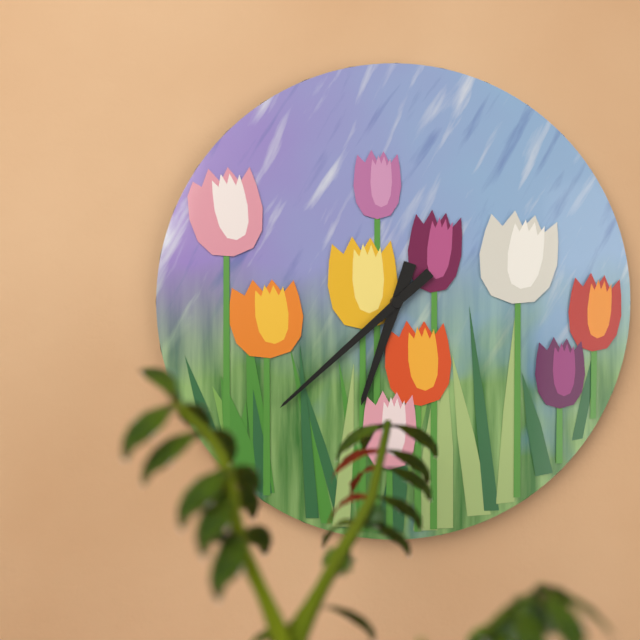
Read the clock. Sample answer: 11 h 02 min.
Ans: 6 h 38 min
